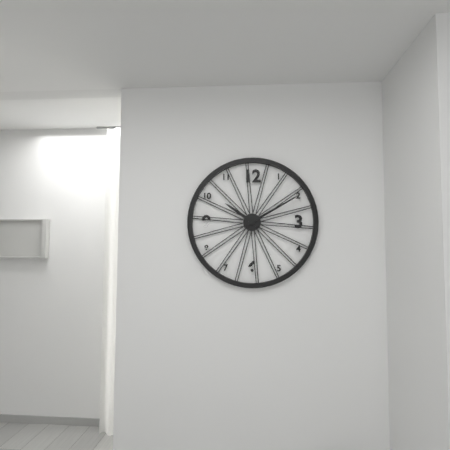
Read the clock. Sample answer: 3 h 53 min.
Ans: 10 h 10 min
